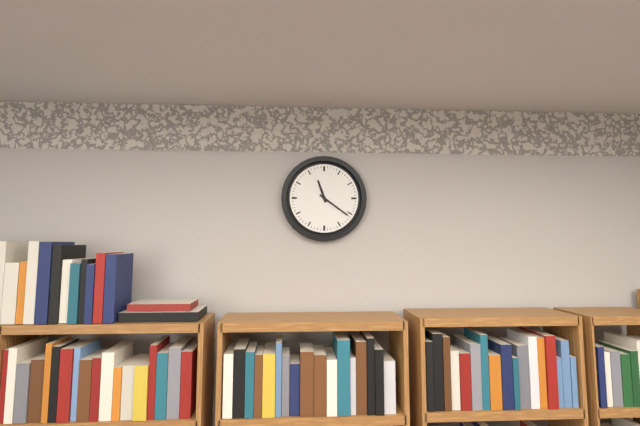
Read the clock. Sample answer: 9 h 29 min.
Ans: 11 h 21 min
